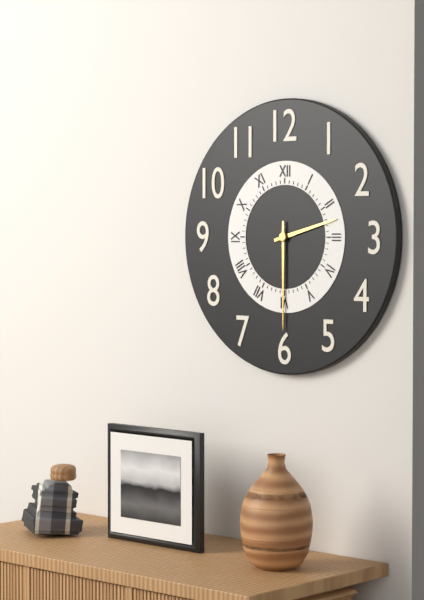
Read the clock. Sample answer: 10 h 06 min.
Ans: 2 h 30 min
